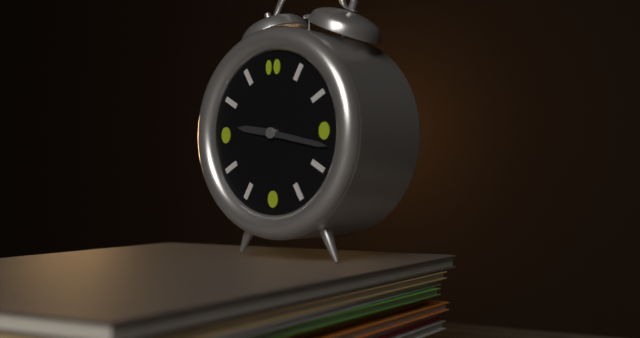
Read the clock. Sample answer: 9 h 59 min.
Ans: 9 h 17 min
